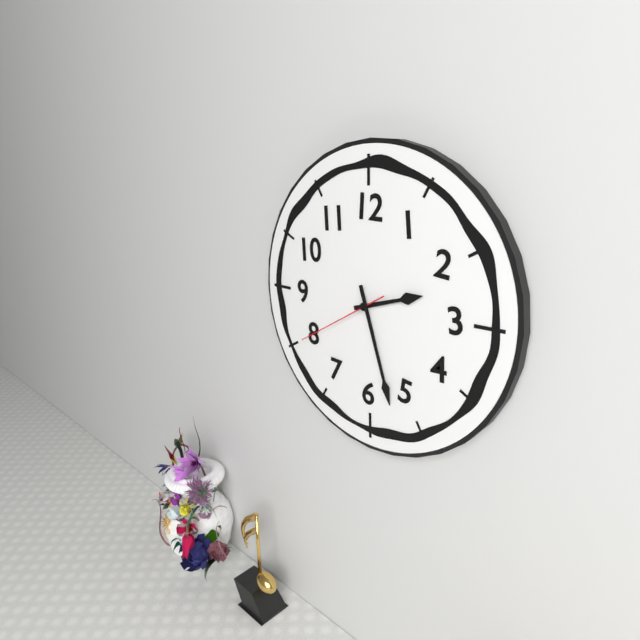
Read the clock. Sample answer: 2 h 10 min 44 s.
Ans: 2 h 27 min 40 s
